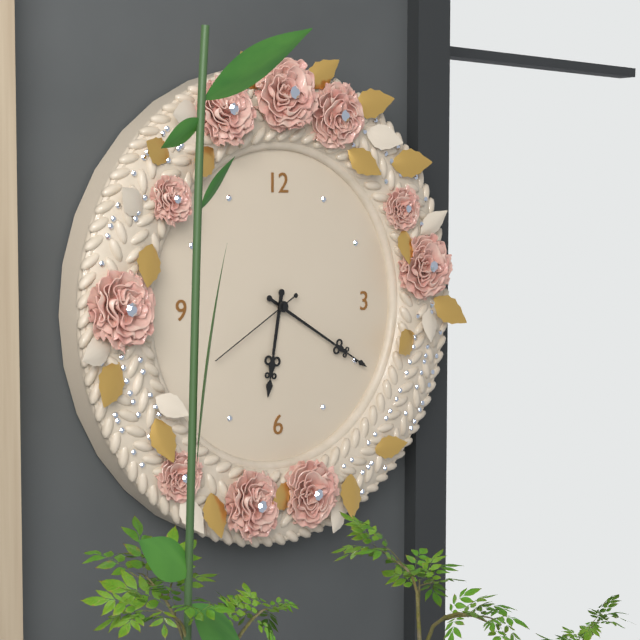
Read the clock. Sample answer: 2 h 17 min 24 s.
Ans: 6 h 20 min 40 s
